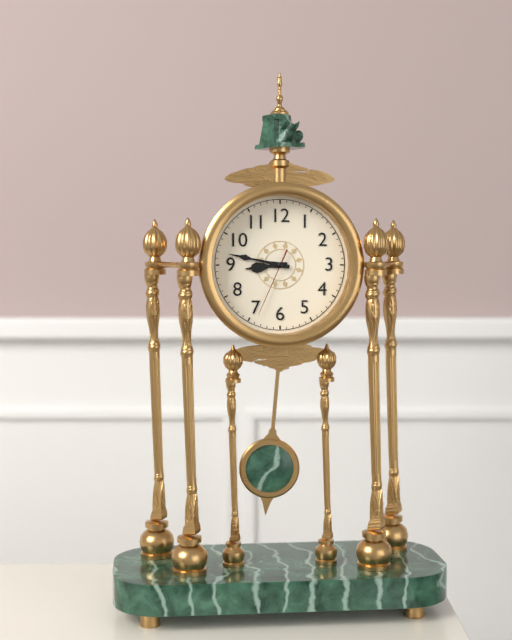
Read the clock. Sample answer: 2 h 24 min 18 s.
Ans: 8 h 47 min 34 s
